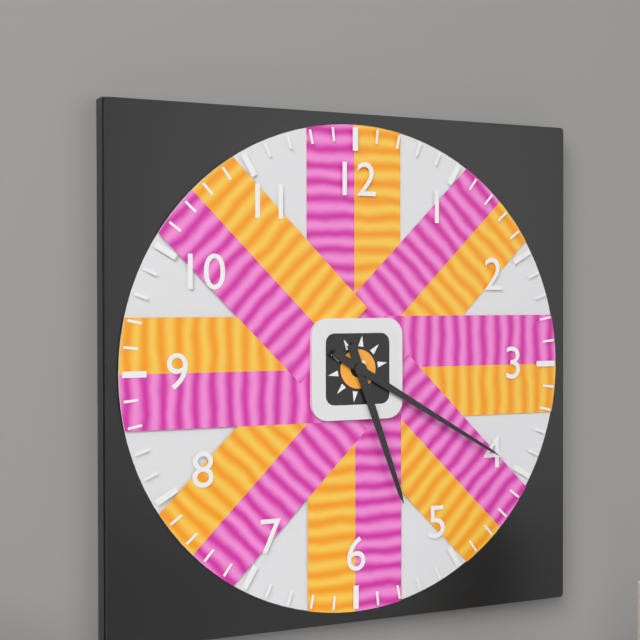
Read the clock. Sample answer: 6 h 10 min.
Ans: 5 h 20 min
